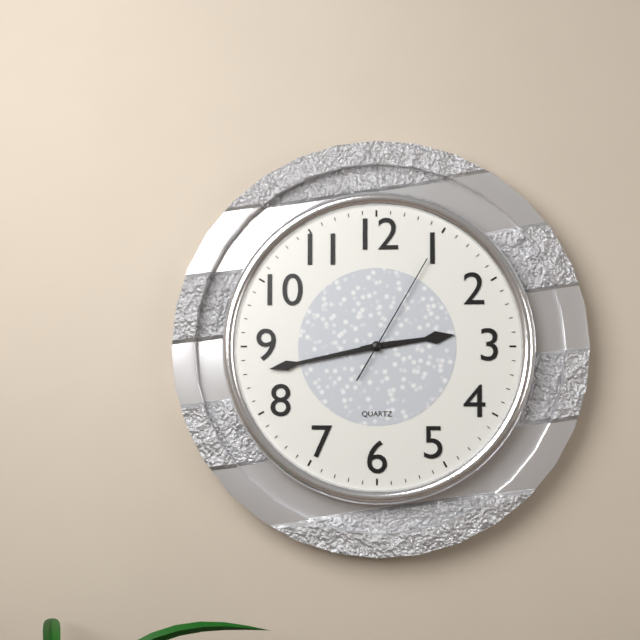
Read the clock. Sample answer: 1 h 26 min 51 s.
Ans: 2 h 43 min 05 s
